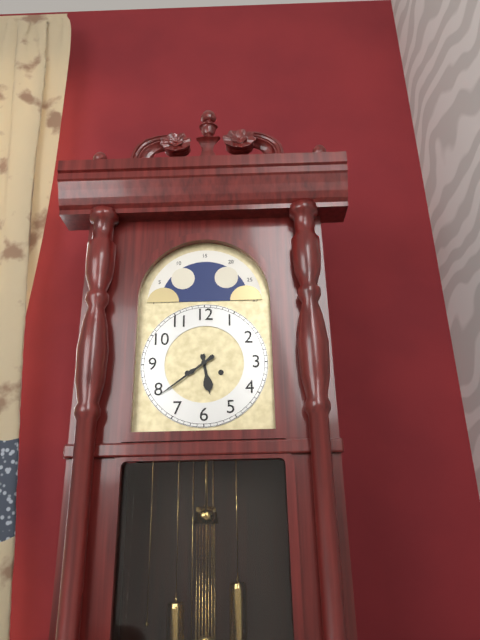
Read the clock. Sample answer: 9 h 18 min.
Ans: 5 h 39 min
